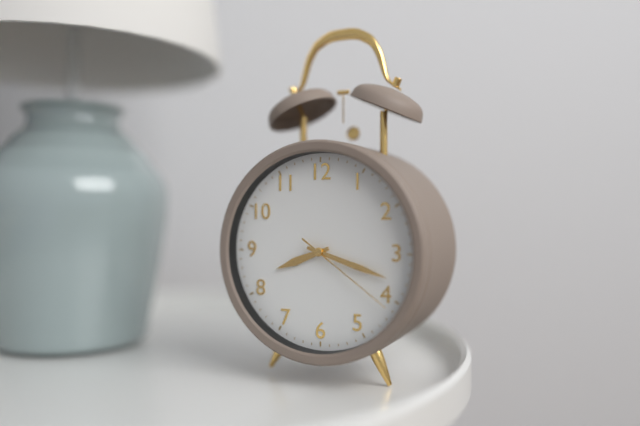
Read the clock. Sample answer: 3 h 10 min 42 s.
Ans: 8 h 18 min 21 s
